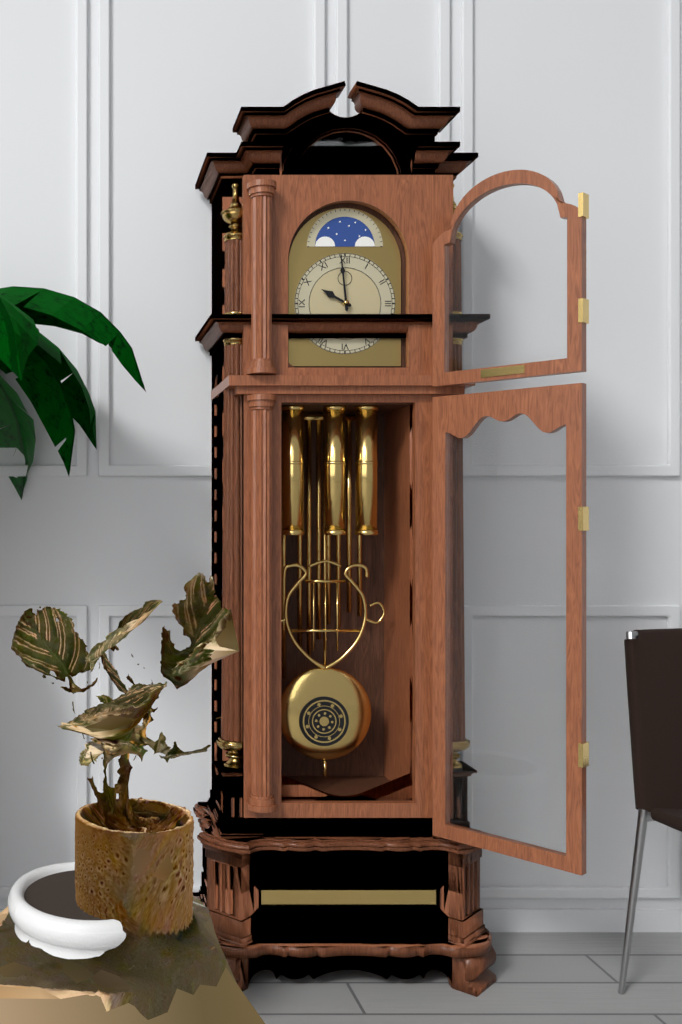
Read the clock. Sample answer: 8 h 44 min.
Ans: 9 h 59 min
